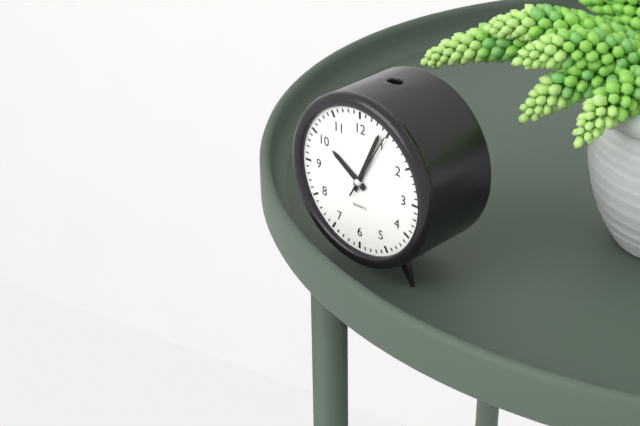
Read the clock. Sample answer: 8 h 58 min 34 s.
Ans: 10 h 04 min 05 s
